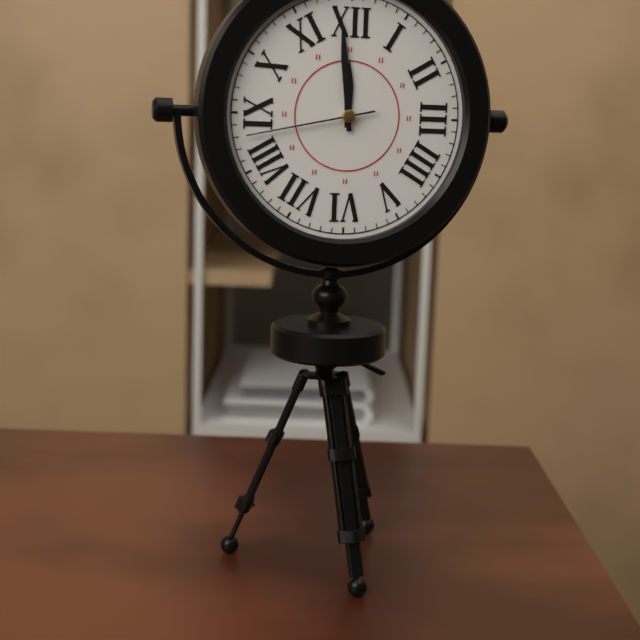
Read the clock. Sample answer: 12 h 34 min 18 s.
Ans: 11 h 59 min 43 s
